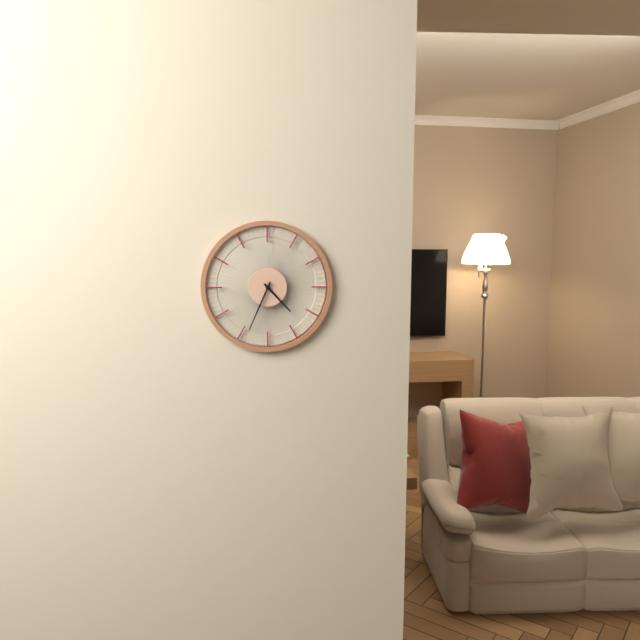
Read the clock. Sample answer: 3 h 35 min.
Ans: 4 h 34 min
